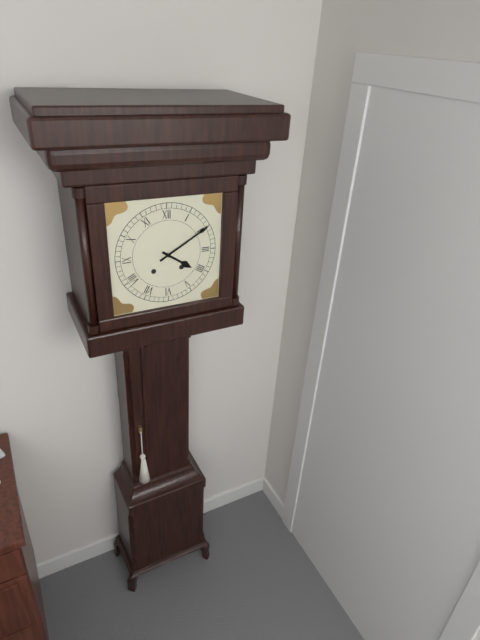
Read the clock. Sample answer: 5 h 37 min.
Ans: 4 h 10 min
